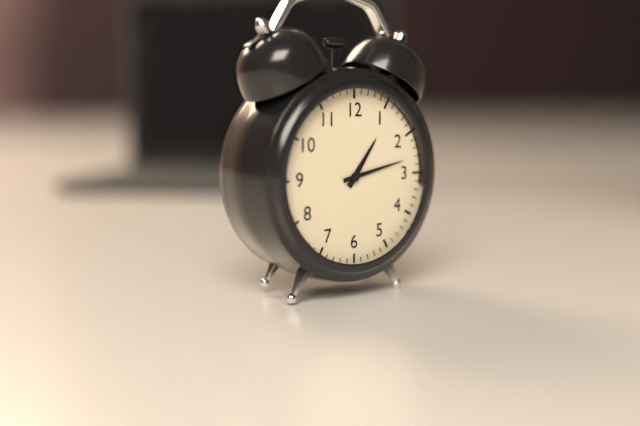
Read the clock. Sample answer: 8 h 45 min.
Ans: 1 h 13 min
